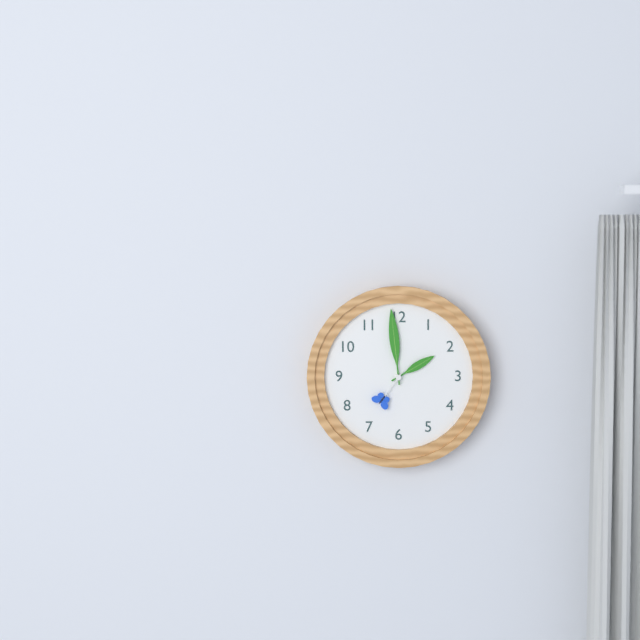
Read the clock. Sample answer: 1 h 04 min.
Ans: 1 h 59 min
